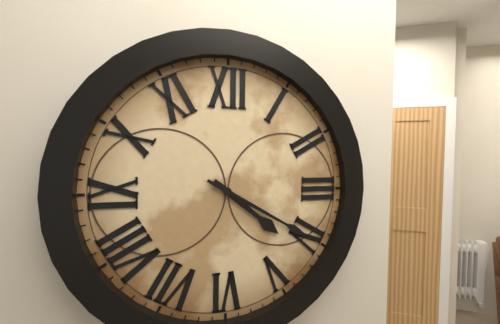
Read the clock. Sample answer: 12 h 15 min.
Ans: 4 h 20 min
